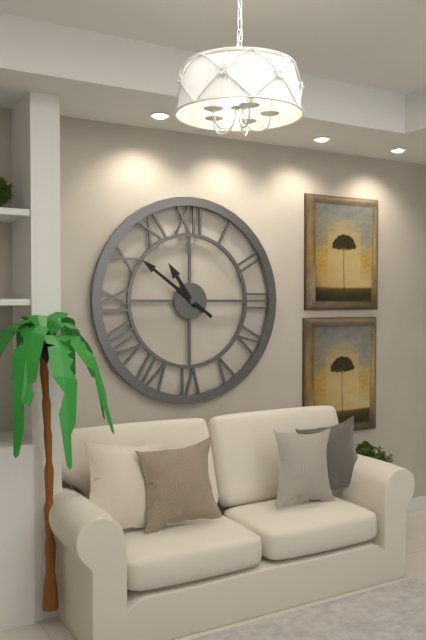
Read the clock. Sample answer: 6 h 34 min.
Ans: 10 h 51 min
